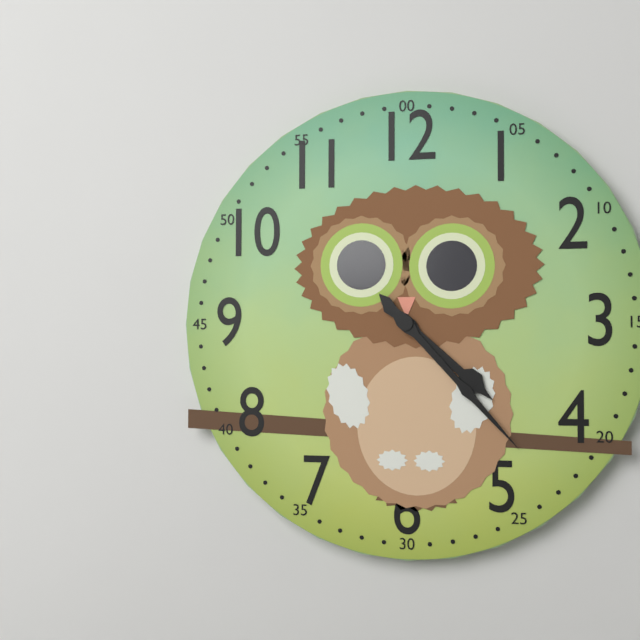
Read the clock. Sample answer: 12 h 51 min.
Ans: 4 h 23 min
